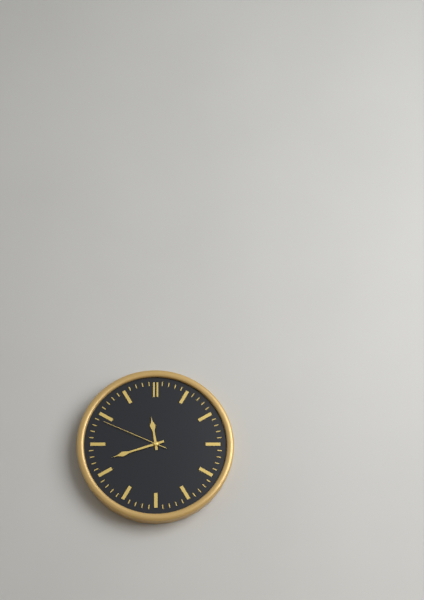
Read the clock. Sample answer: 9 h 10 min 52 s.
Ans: 11 h 42 min 49 s
